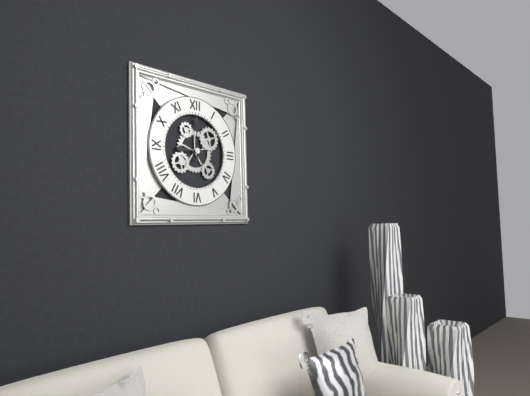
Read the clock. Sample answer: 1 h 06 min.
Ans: 9 h 00 min
